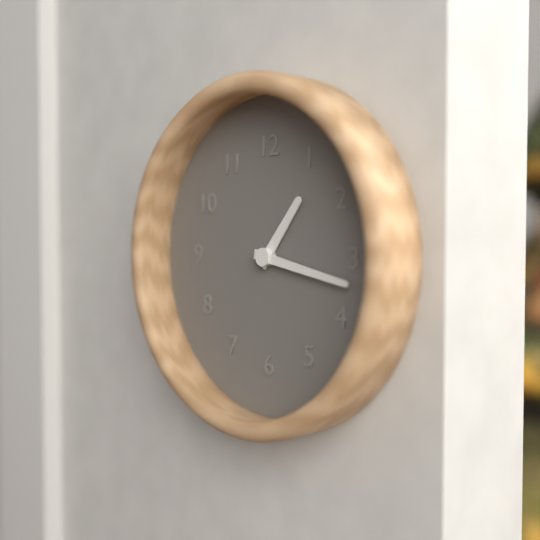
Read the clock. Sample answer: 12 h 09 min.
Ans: 1 h 17 min
